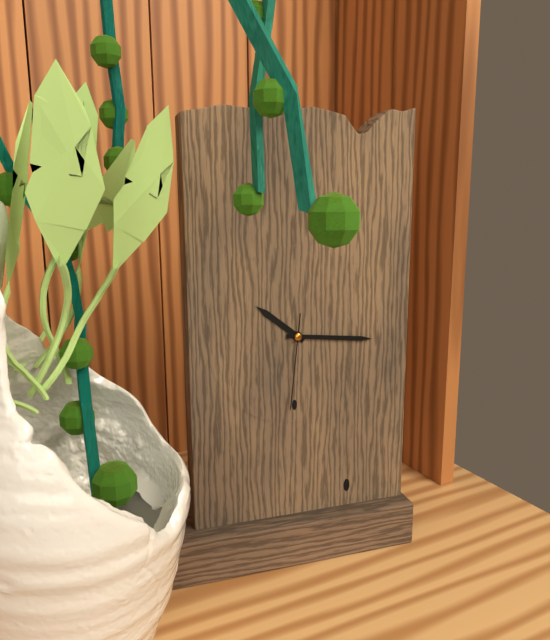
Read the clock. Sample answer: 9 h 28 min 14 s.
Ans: 10 h 16 min 31 s
